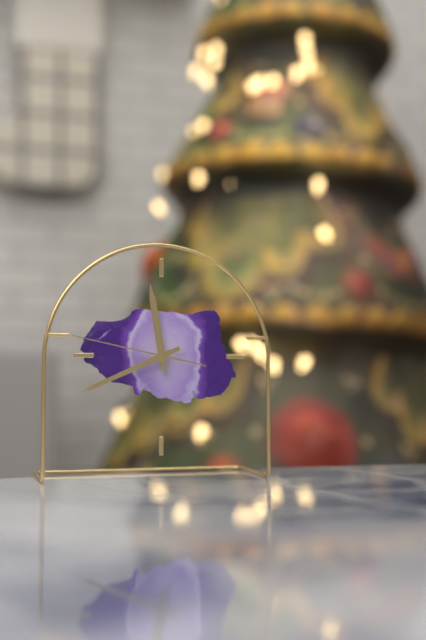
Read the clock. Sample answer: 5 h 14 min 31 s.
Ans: 11 h 41 min 47 s
